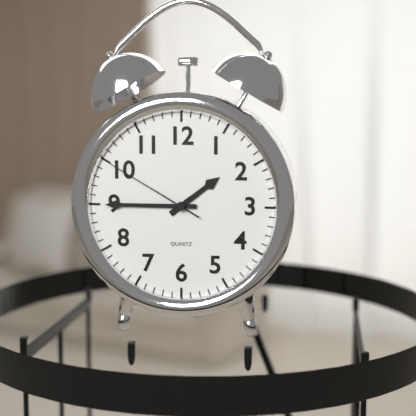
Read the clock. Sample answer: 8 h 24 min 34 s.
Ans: 1 h 45 min 50 s
